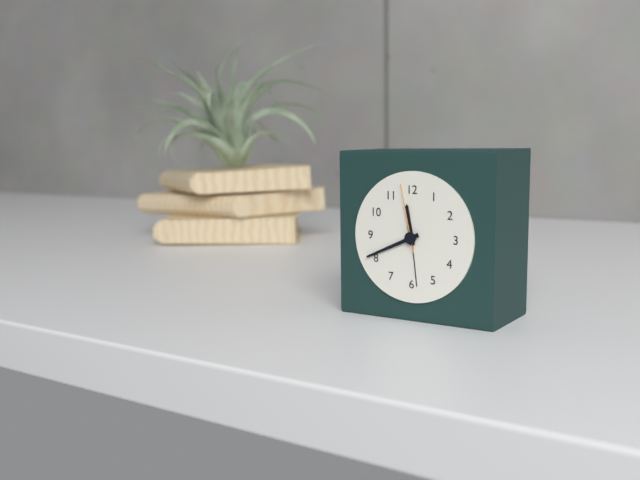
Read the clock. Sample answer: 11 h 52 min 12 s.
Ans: 11 h 41 min 58 s
